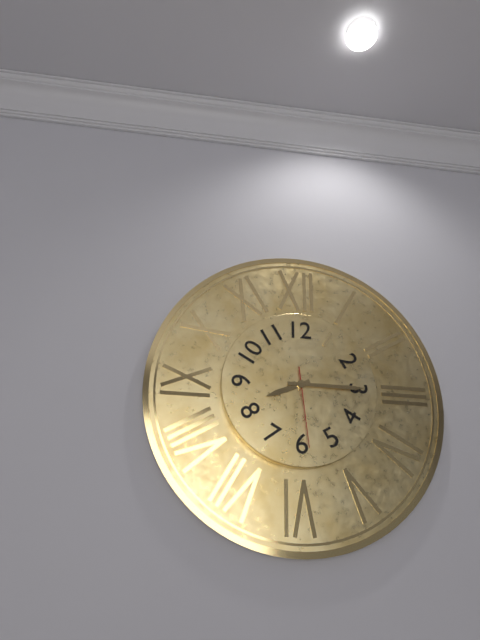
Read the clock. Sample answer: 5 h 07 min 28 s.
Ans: 8 h 15 min 29 s
